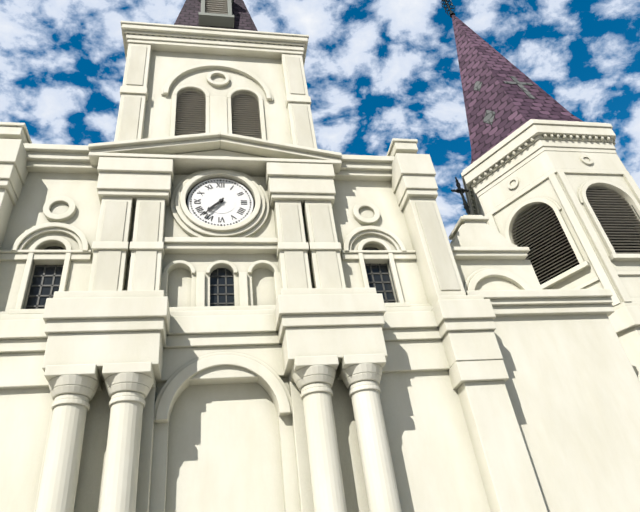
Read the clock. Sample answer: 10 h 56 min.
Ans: 7 h 37 min
